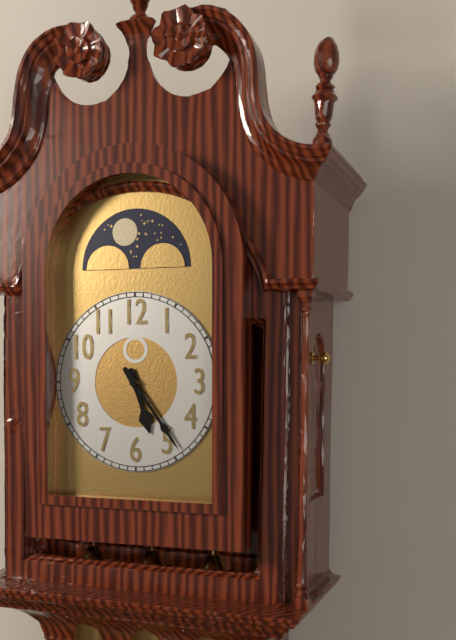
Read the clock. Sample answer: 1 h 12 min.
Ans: 5 h 24 min
